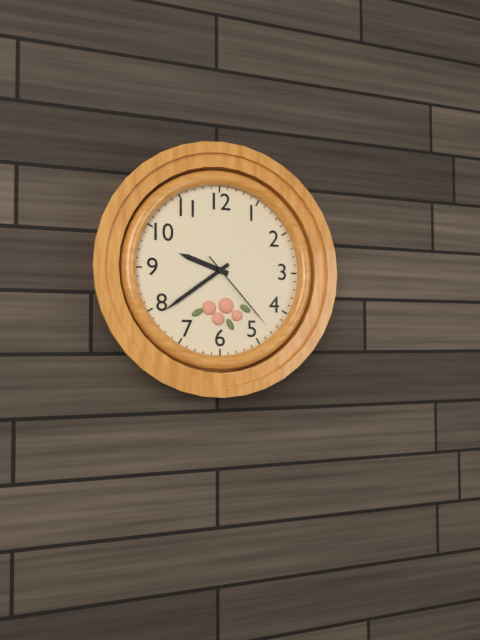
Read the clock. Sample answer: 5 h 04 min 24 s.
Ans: 9 h 39 min 23 s
